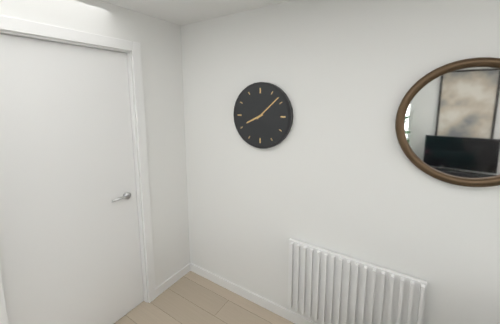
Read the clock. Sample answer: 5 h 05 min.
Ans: 8 h 08 min
